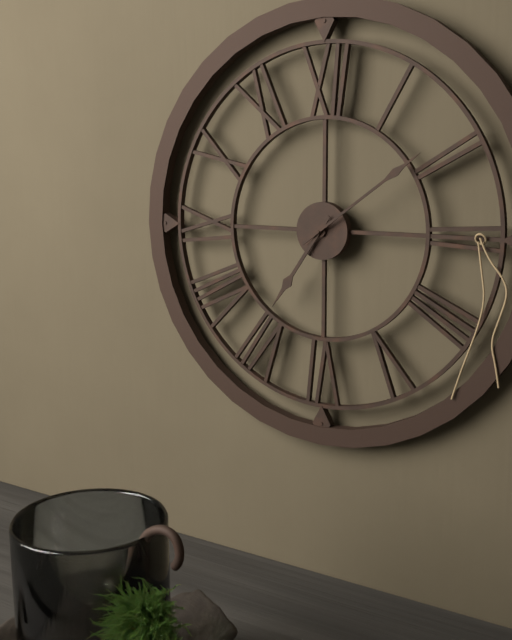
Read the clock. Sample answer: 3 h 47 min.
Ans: 7 h 09 min
